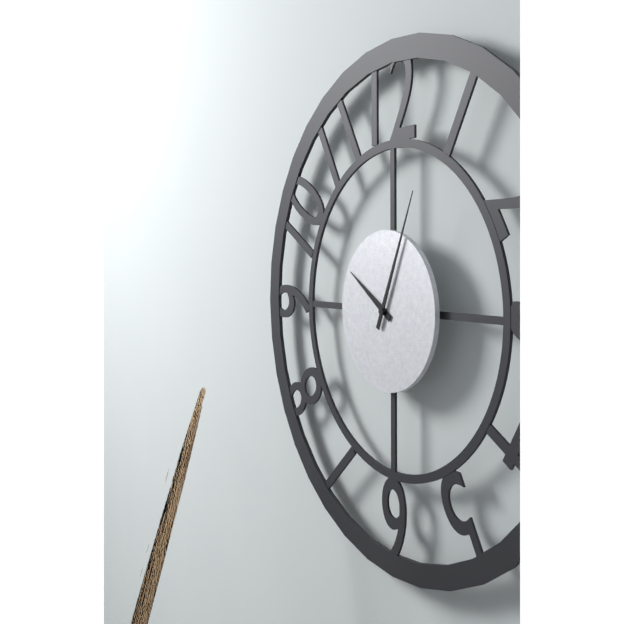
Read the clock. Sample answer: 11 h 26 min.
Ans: 10 h 04 min
